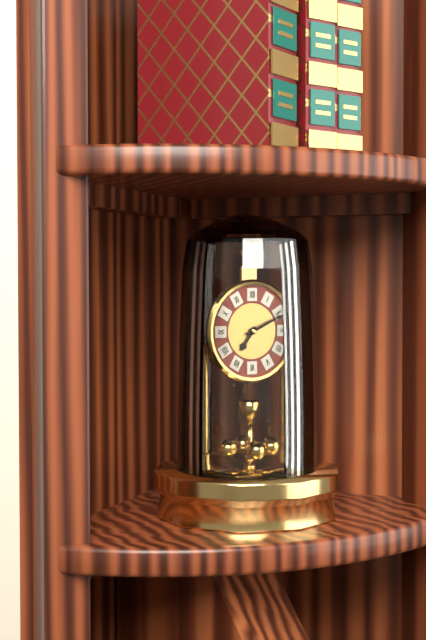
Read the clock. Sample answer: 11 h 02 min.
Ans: 7 h 11 min
